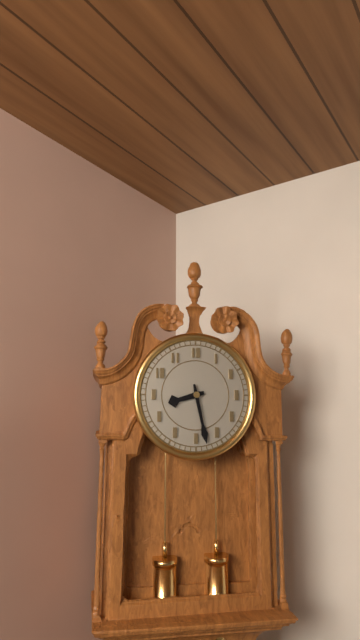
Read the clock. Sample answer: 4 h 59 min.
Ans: 8 h 28 min
